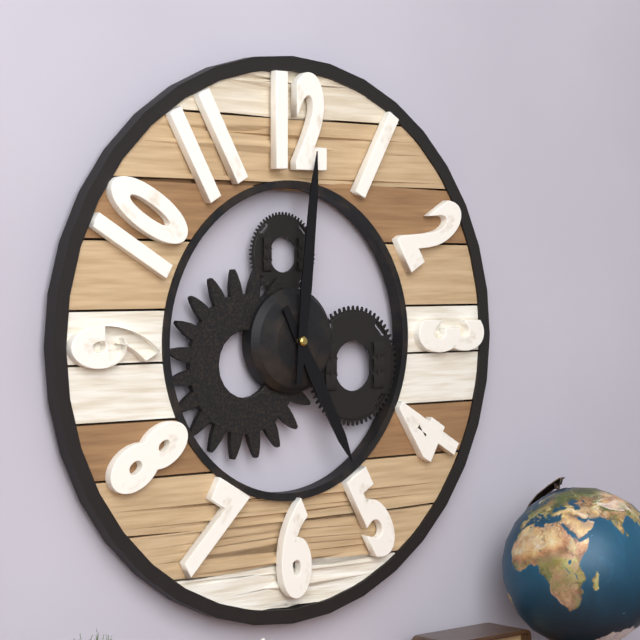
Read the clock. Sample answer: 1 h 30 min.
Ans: 5 h 01 min
